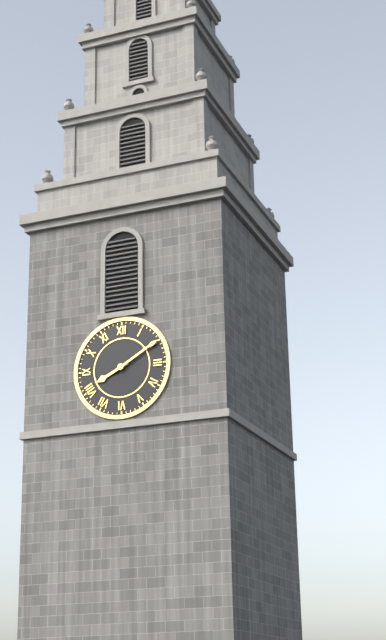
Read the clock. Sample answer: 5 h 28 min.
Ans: 8 h 10 min
